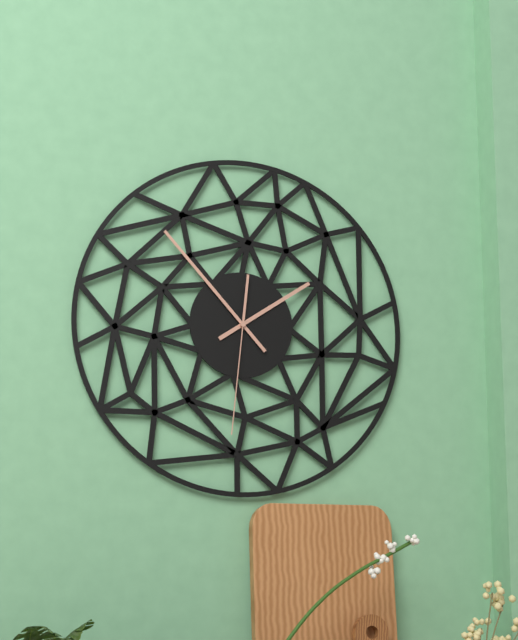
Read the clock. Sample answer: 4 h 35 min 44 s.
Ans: 1 h 53 min 31 s
